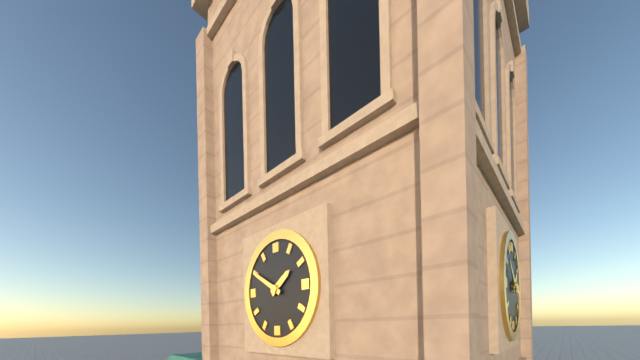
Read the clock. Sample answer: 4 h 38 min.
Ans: 1 h 50 min
